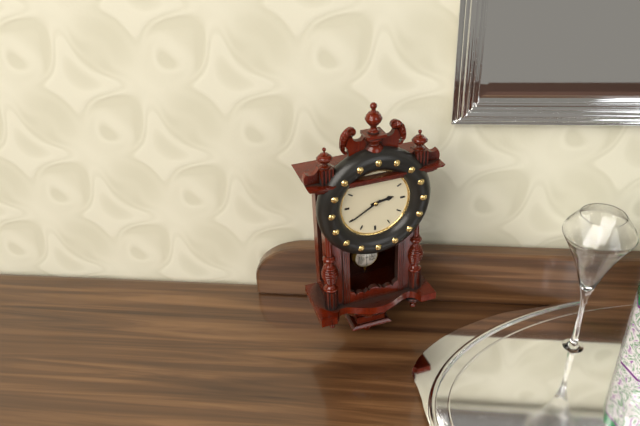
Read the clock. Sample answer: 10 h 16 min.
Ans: 2 h 40 min
